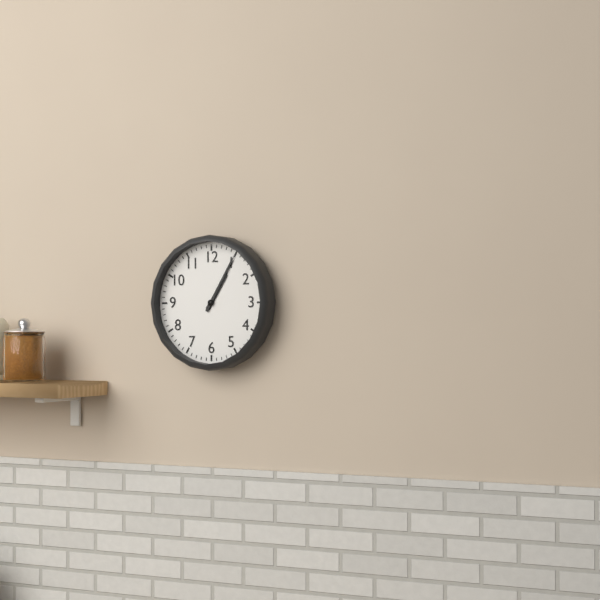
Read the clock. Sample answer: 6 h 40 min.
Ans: 1 h 05 min
